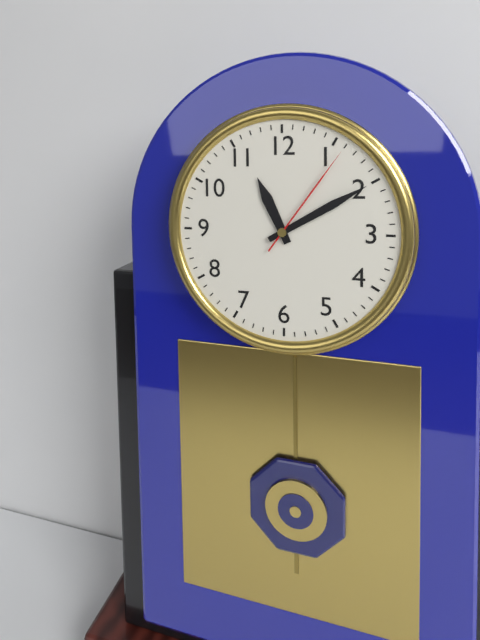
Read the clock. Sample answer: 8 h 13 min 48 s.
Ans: 11 h 10 min 06 s
